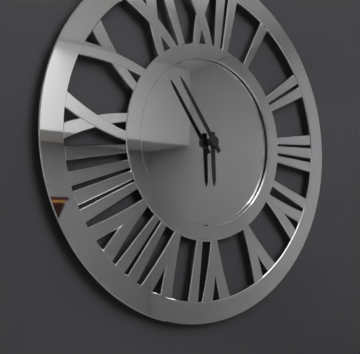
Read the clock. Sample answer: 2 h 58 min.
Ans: 5 h 54 min
